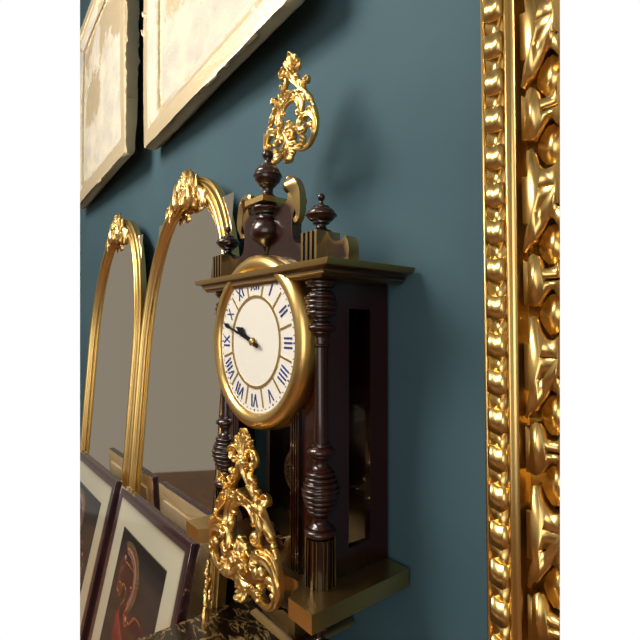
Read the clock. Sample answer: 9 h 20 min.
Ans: 9 h 48 min
